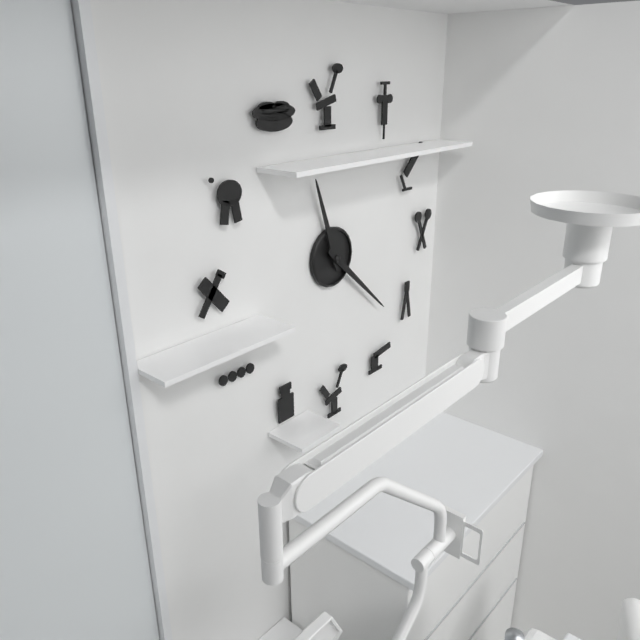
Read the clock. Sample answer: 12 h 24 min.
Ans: 11 h 22 min
